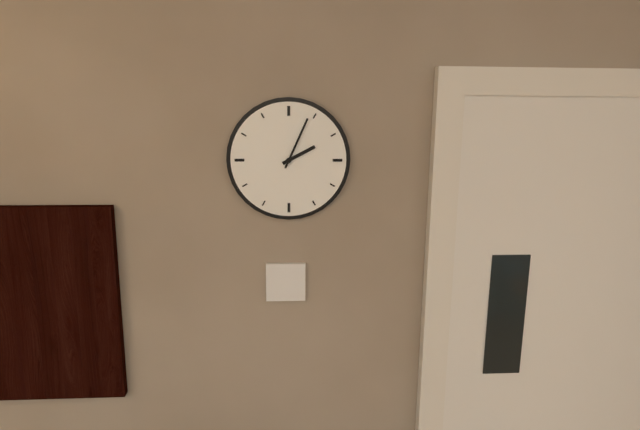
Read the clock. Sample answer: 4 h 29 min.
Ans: 2 h 04 min
